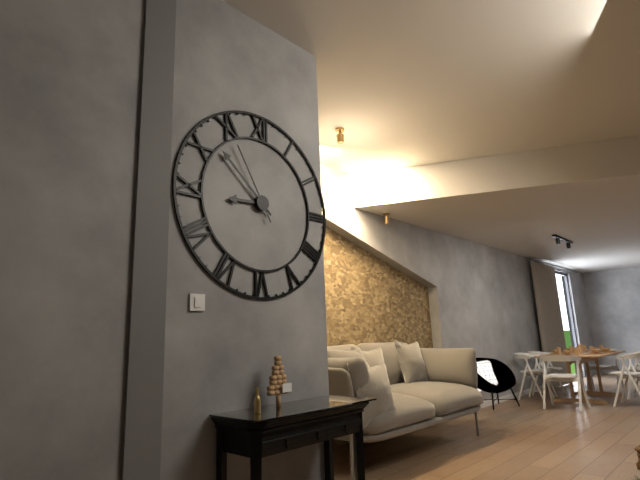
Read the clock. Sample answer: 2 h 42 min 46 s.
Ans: 8 h 52 min 55 s
